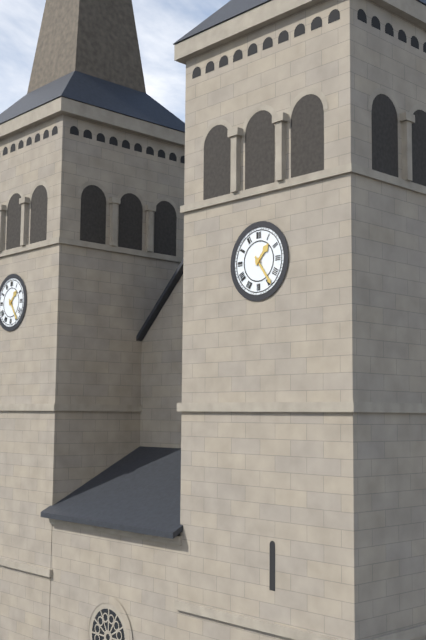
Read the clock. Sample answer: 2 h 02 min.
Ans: 1 h 24 min
